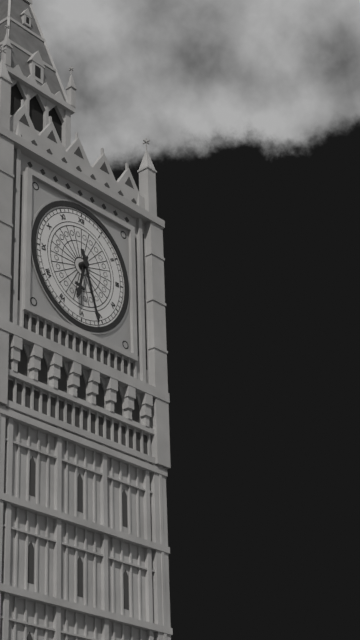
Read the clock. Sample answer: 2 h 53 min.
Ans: 6 h 27 min
